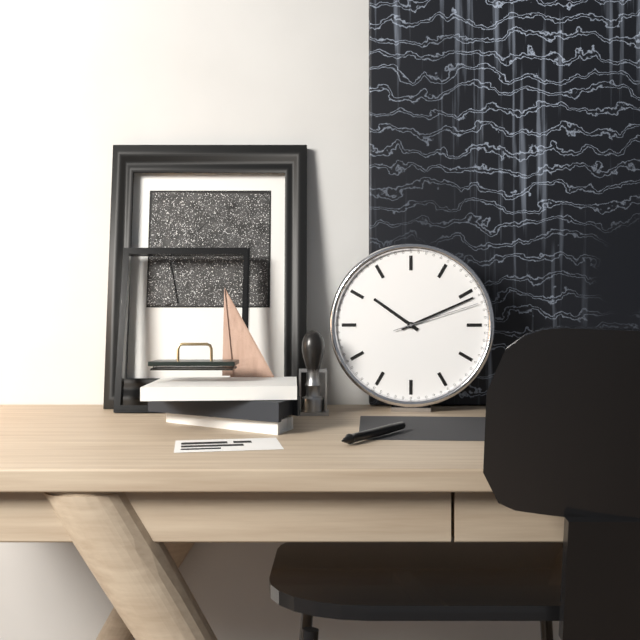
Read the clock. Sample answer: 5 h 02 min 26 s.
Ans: 10 h 11 min 12 s
